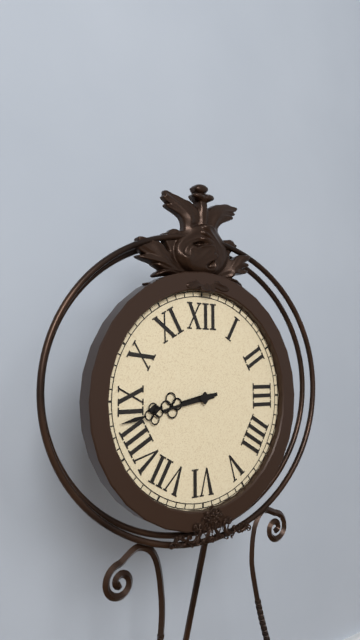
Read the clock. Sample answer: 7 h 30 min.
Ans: 8 h 43 min
